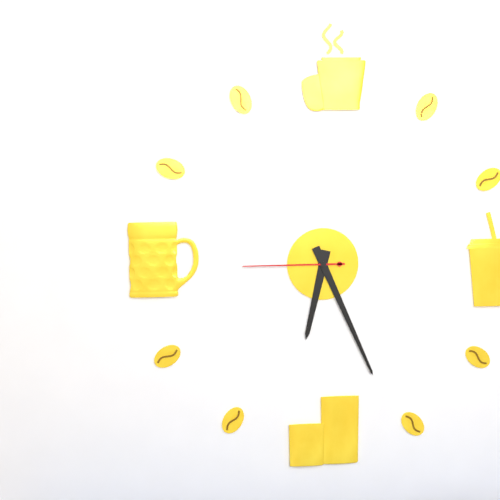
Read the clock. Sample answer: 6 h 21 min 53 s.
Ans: 6 h 26 min 45 s
